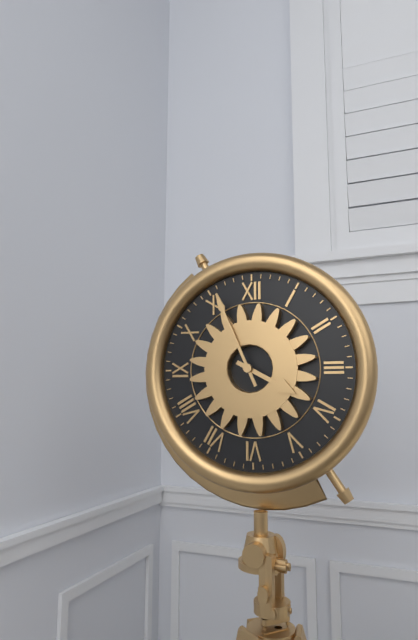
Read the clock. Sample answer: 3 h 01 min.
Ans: 3 h 56 min
